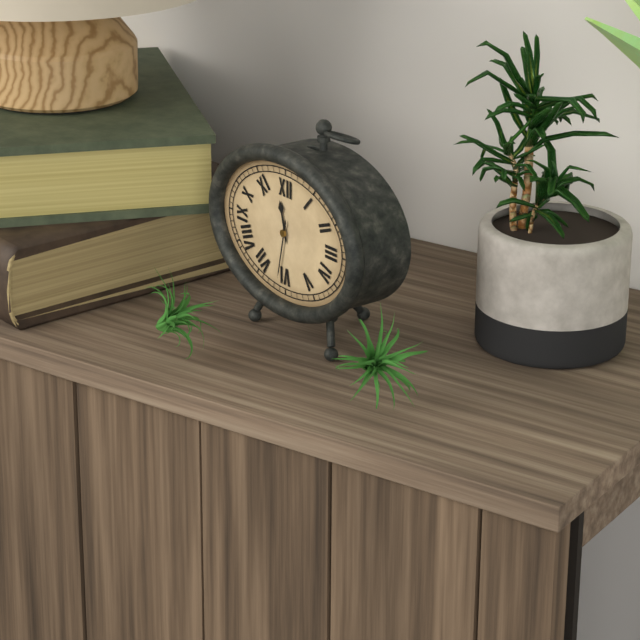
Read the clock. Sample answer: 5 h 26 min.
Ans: 11 h 32 min
